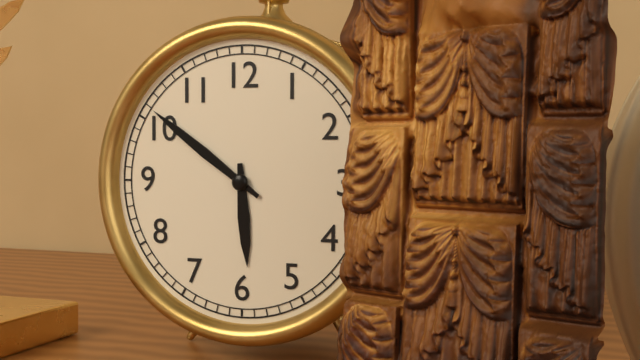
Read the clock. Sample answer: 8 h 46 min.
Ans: 5 h 51 min
